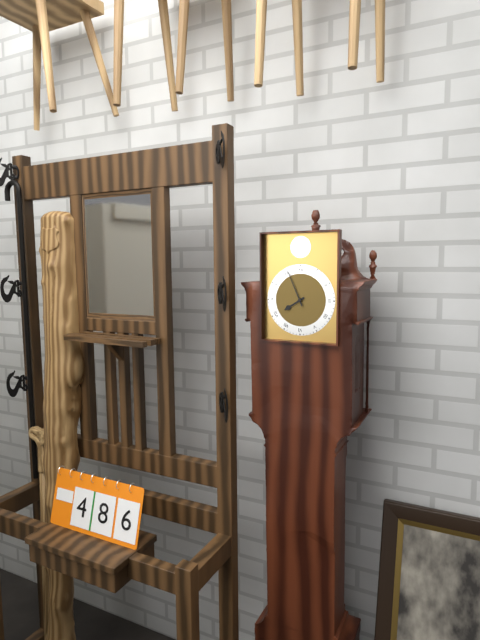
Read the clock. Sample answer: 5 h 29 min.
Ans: 7 h 56 min
